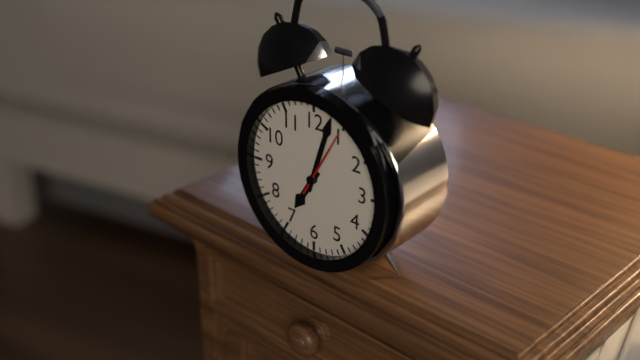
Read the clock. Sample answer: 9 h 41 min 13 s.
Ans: 7 h 03 min 05 s
